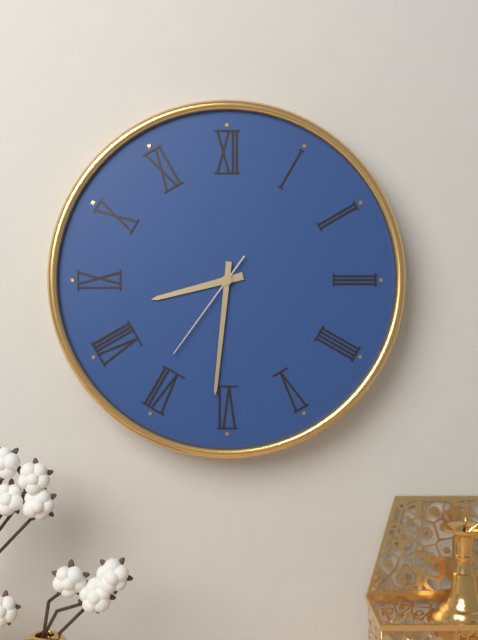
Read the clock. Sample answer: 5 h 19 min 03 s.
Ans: 8 h 31 min 36 s
